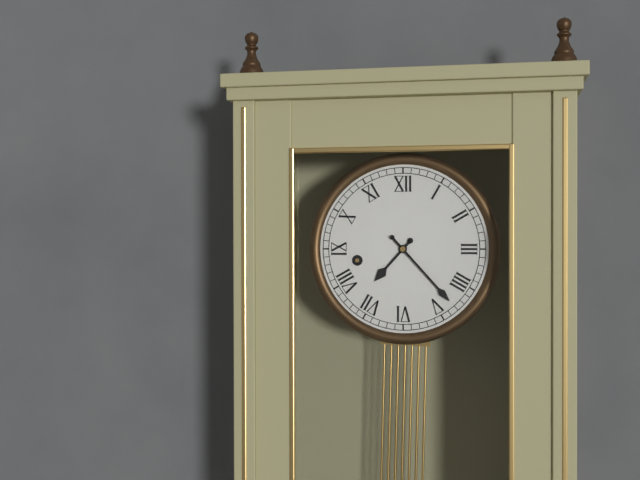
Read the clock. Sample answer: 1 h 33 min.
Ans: 7 h 23 min
